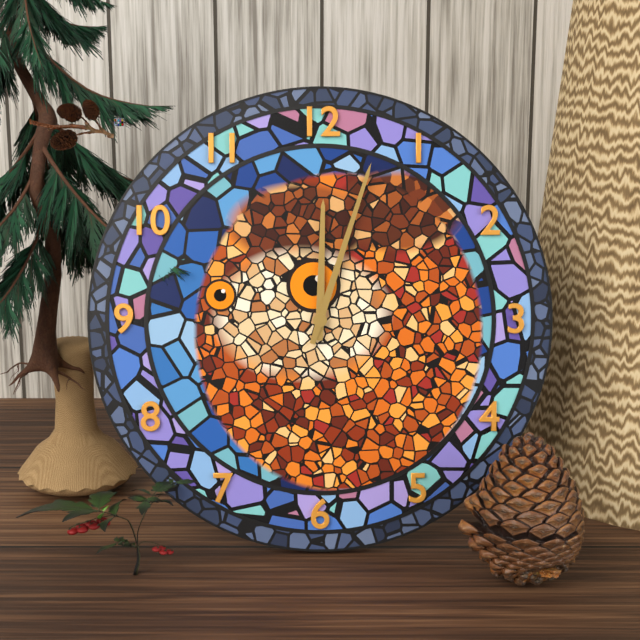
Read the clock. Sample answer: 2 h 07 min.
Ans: 12 h 03 min
